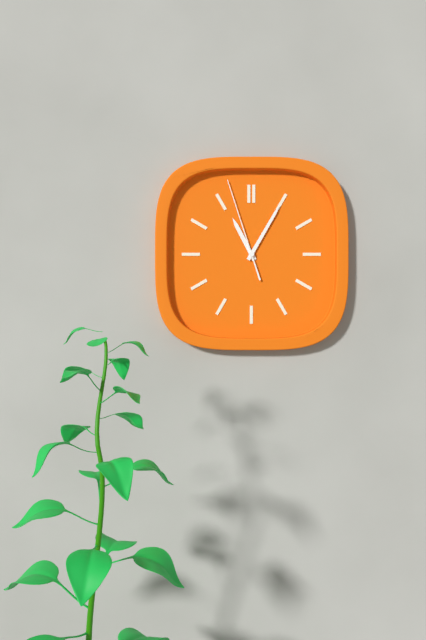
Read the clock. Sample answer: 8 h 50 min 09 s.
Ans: 11 h 05 min 57 s
